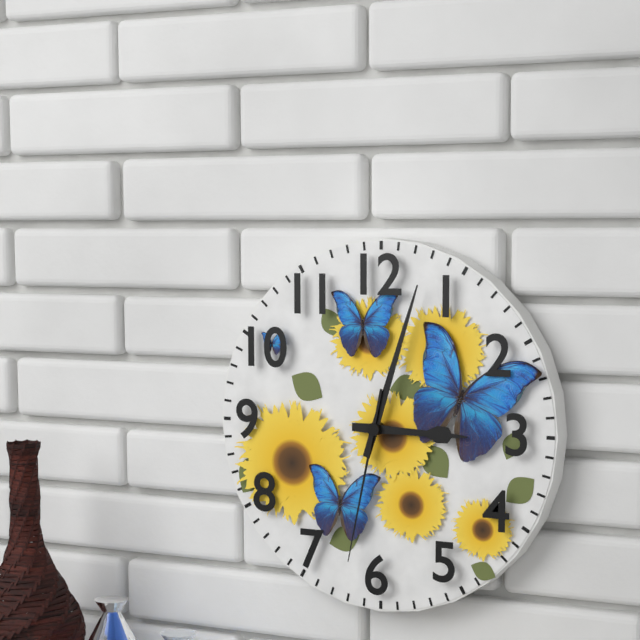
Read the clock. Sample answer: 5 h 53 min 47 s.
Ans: 3 h 03 min 32 s
